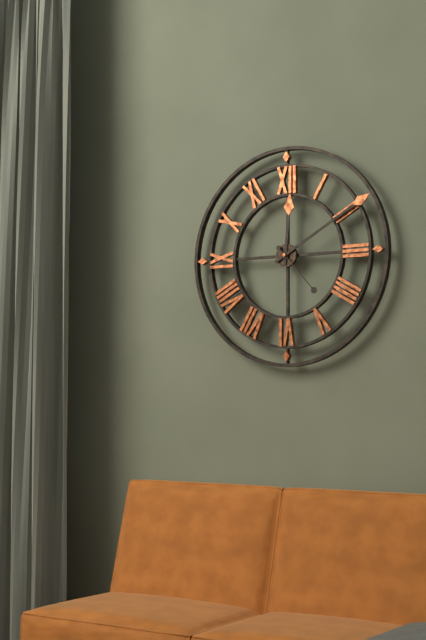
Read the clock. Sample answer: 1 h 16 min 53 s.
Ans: 12 h 10 min 23 s
